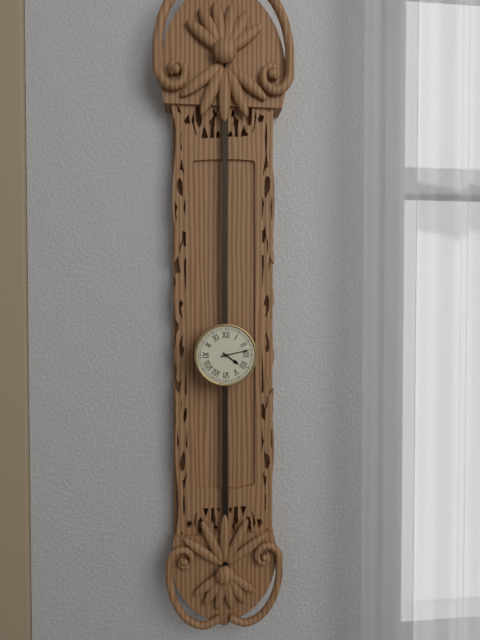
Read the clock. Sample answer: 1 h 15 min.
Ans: 4 h 13 min
